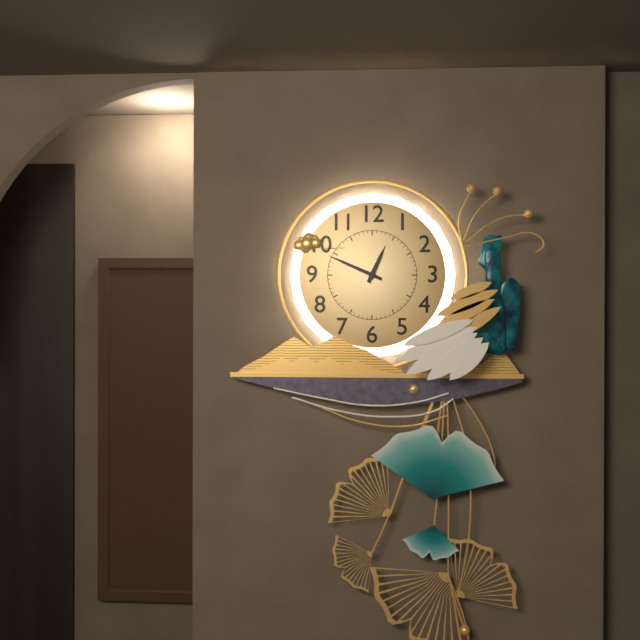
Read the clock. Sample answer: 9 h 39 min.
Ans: 12 h 49 min
